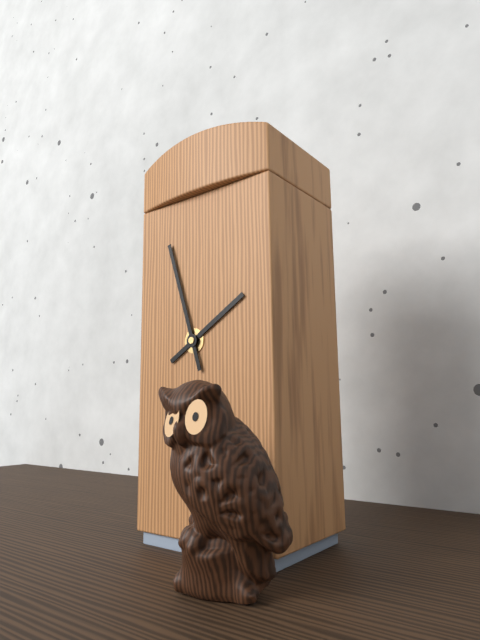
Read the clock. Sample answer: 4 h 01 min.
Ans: 1 h 57 min
